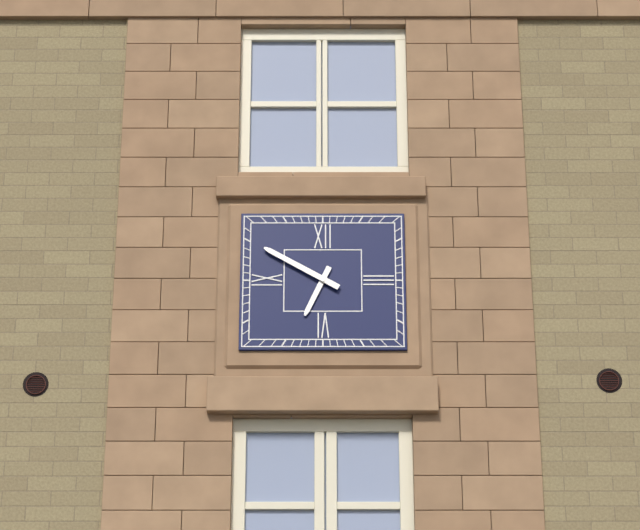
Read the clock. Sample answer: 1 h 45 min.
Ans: 6 h 50 min
